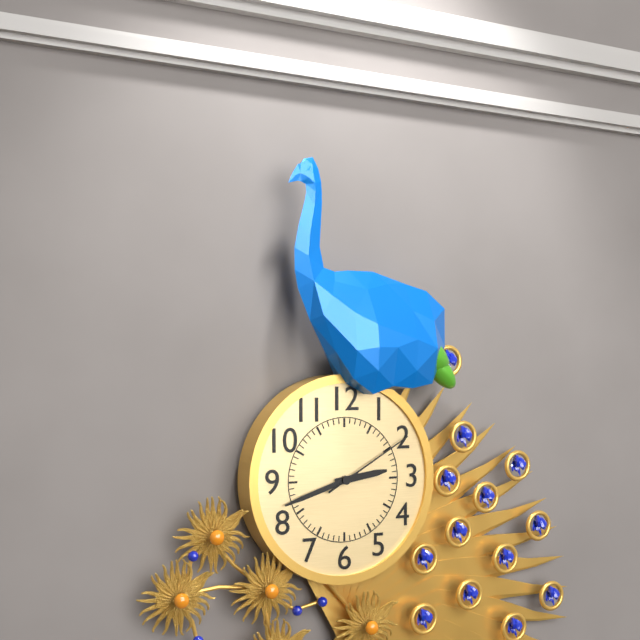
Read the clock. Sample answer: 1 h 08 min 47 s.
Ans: 2 h 42 min 10 s
